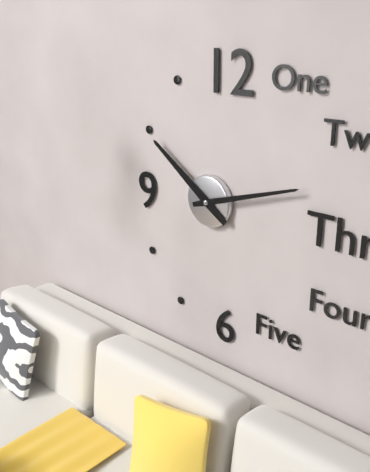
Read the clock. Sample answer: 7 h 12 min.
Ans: 10 h 12 min
